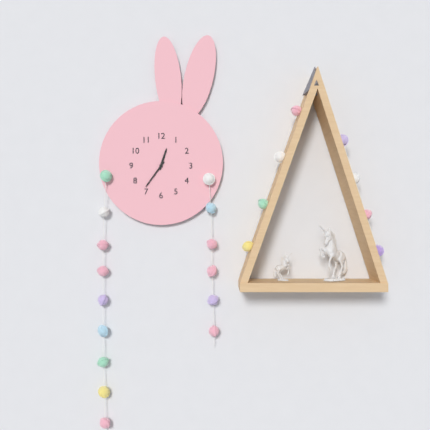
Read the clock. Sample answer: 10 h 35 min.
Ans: 12 h 36 min
